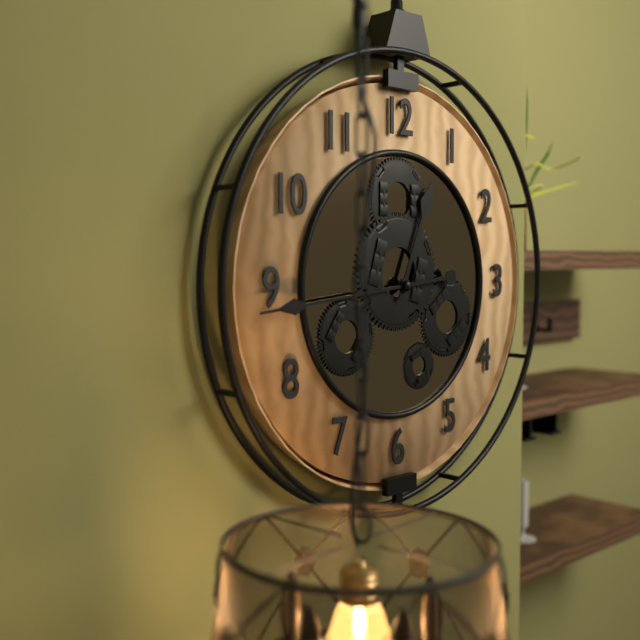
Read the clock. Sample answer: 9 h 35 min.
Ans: 12 h 44 min
